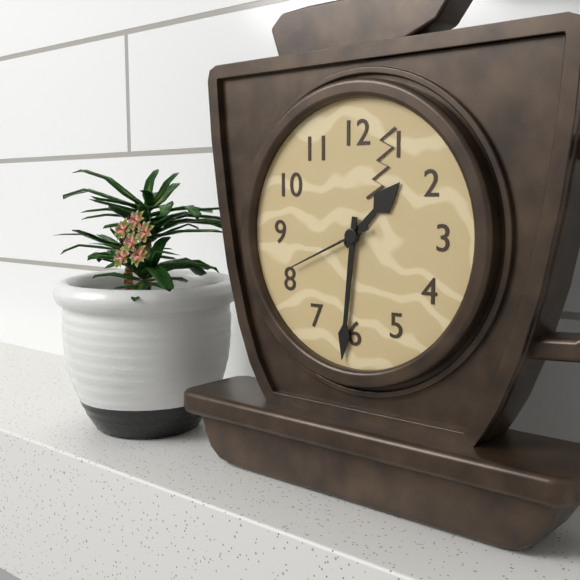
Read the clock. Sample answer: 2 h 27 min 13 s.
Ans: 1 h 31 min 41 s
